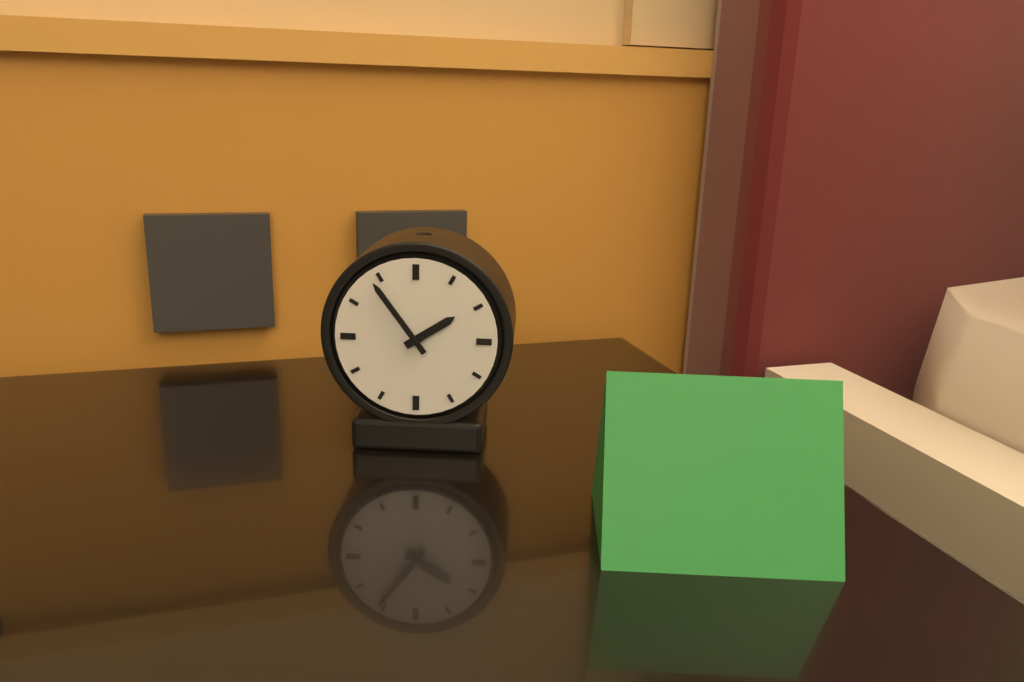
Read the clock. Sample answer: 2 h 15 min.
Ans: 1 h 54 min
